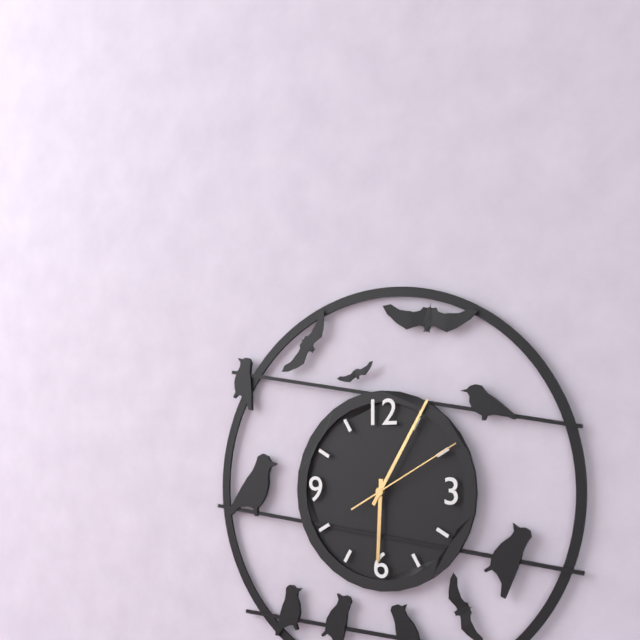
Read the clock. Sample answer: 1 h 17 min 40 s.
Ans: 6 h 05 min 10 s
